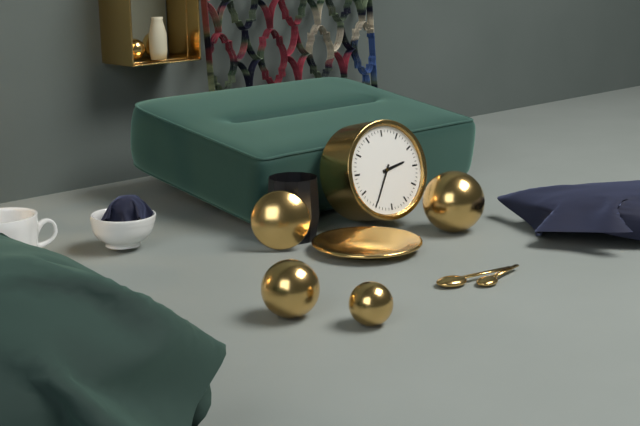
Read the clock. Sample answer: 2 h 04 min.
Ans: 2 h 35 min
